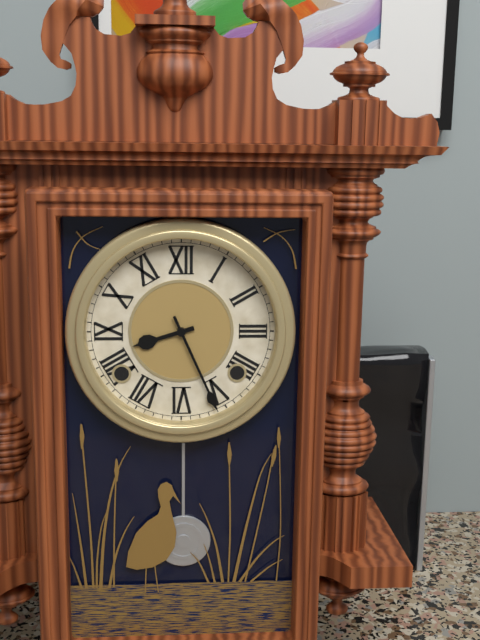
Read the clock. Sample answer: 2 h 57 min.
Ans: 8 h 26 min
